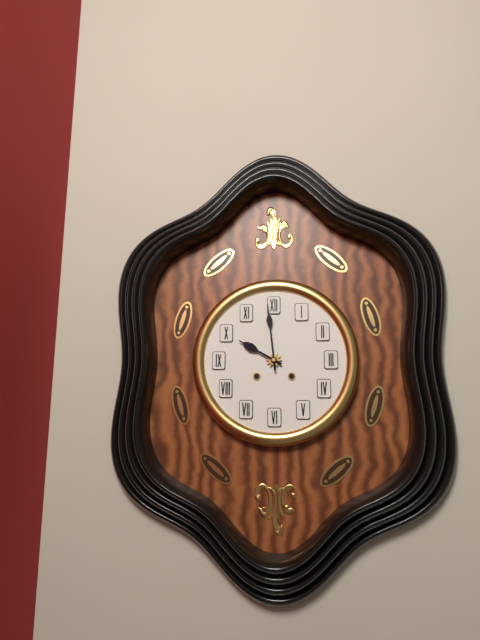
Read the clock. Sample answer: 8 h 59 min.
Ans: 9 h 59 min
